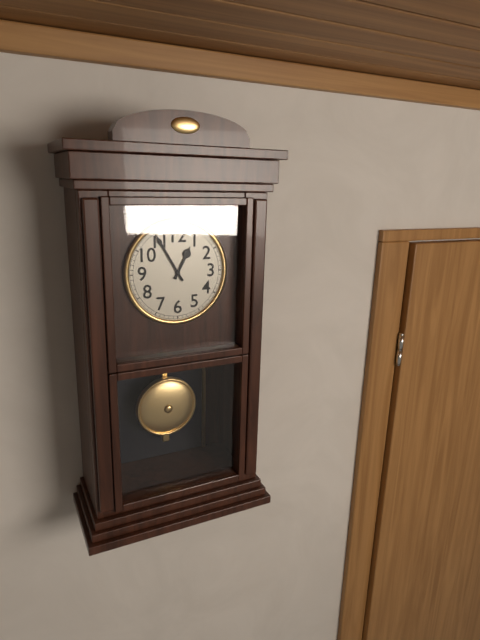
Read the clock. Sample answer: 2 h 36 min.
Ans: 12 h 55 min
